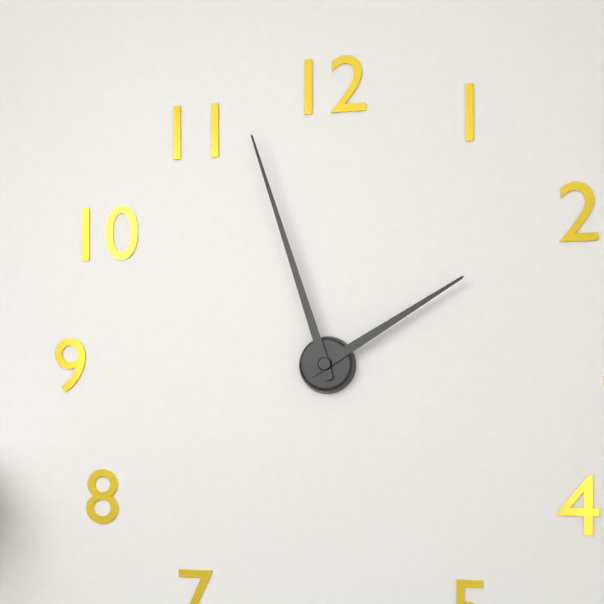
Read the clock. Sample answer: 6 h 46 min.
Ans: 1 h 57 min
